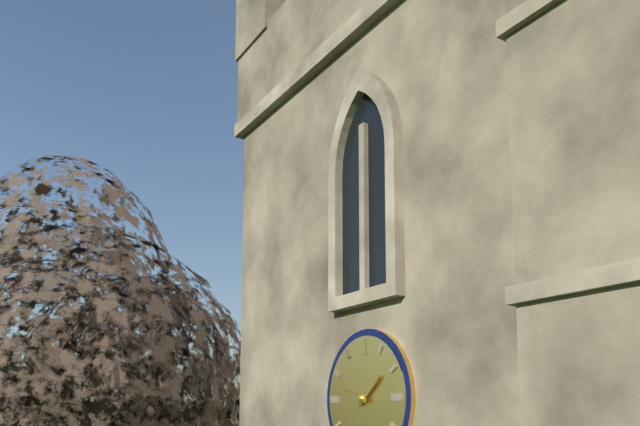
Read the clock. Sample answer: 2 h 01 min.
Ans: 1 h 47 min
